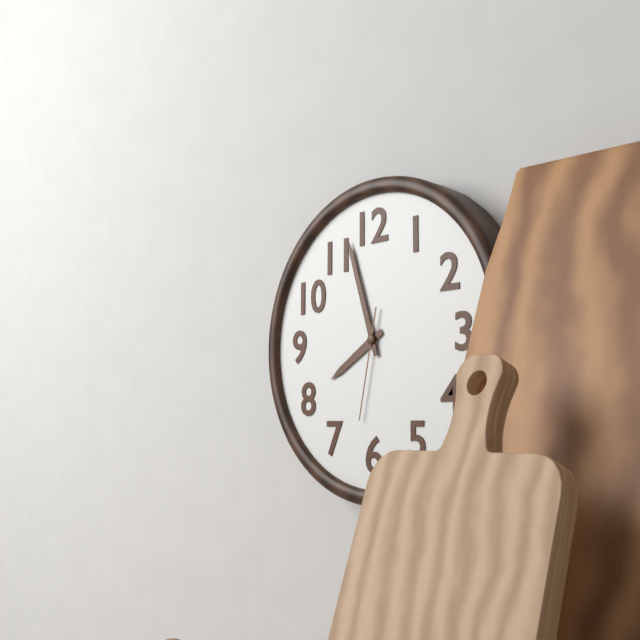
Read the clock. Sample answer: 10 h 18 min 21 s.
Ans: 7 h 57 min 32 s
